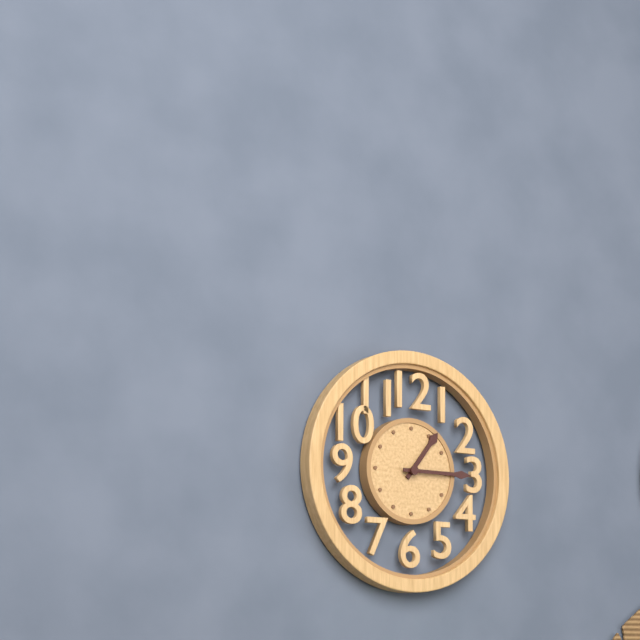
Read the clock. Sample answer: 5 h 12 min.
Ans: 1 h 15 min
